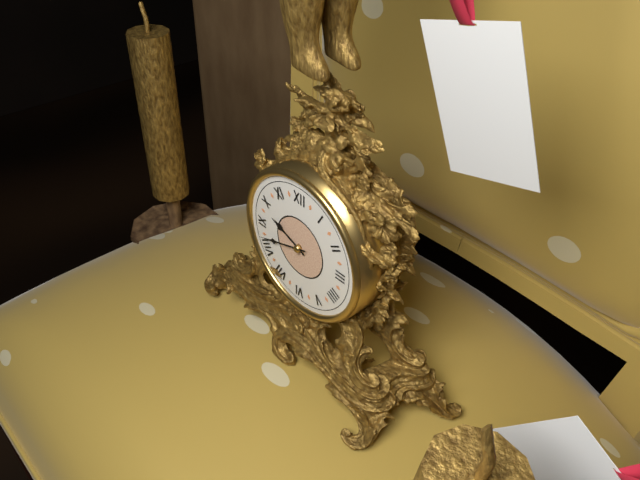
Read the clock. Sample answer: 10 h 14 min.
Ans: 9 h 42 min
